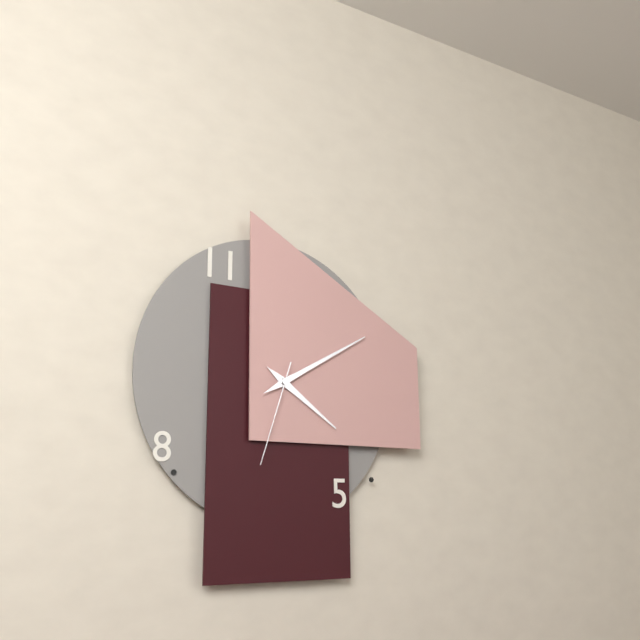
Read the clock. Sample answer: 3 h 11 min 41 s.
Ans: 4 h 10 min 33 s
